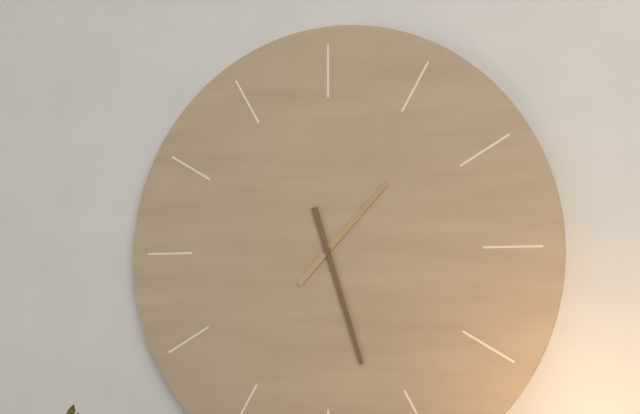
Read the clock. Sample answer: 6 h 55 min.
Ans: 1 h 27 min
